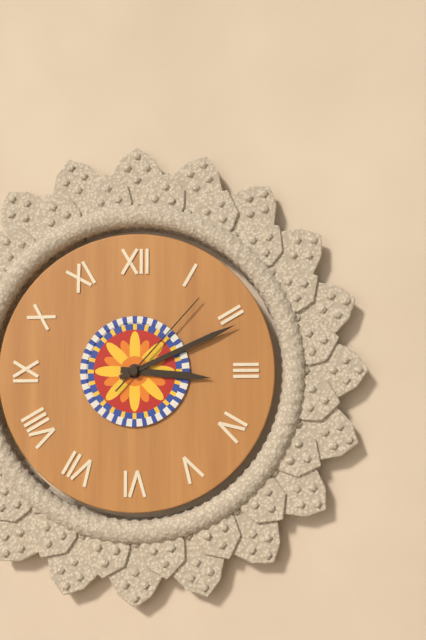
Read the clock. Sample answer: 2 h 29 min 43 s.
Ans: 3 h 11 min 07 s
